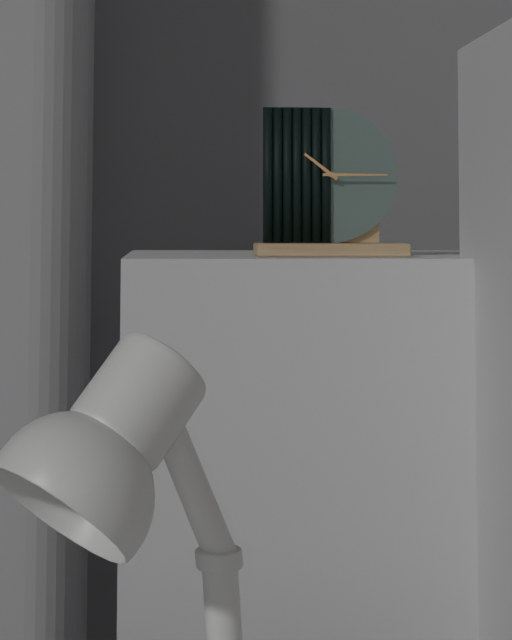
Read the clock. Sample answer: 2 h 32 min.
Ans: 10 h 15 min
